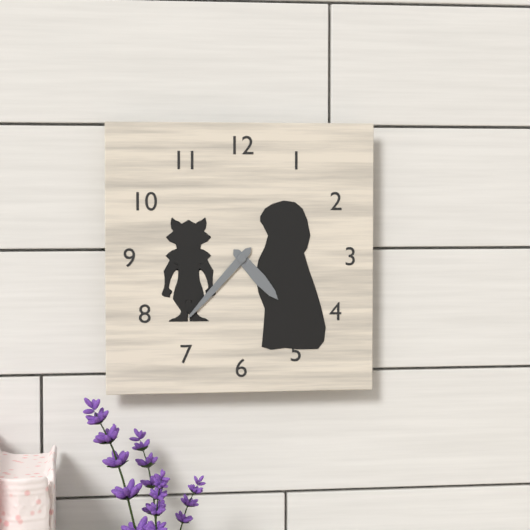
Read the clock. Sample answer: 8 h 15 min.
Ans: 4 h 37 min
